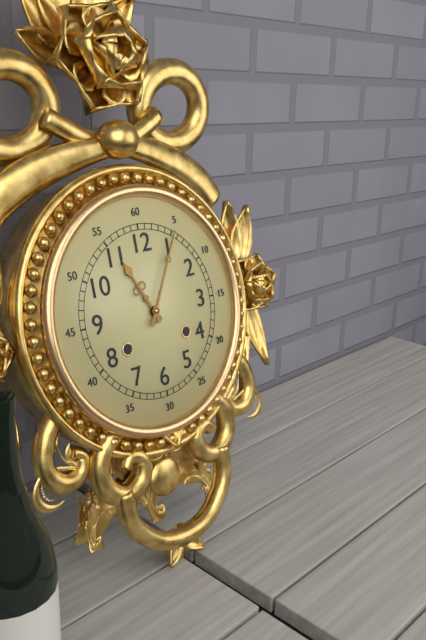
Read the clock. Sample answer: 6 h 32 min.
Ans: 11 h 05 min
